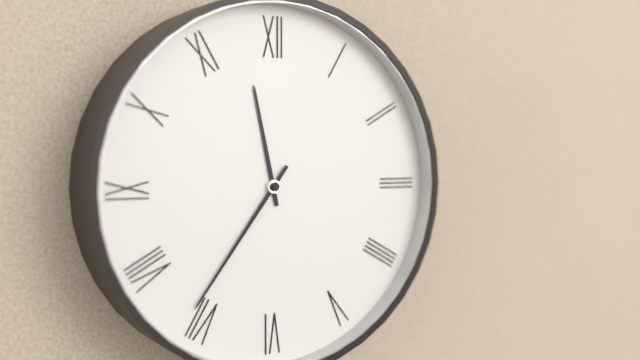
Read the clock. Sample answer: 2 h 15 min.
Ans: 11 h 36 min
